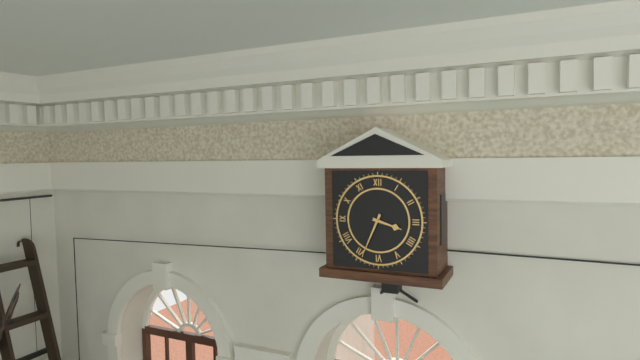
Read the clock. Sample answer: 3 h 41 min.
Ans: 3 h 34 min
